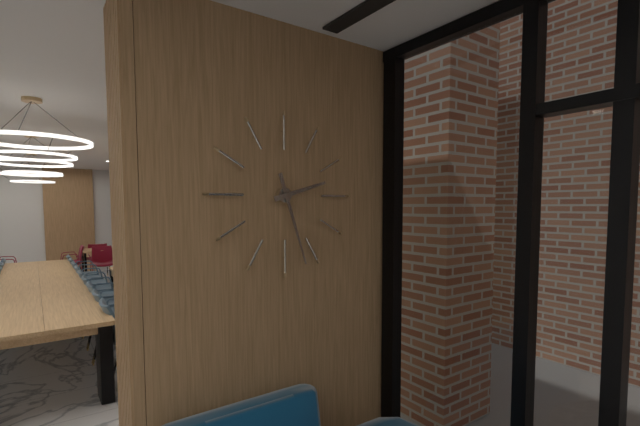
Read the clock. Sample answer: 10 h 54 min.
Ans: 2 h 27 min
